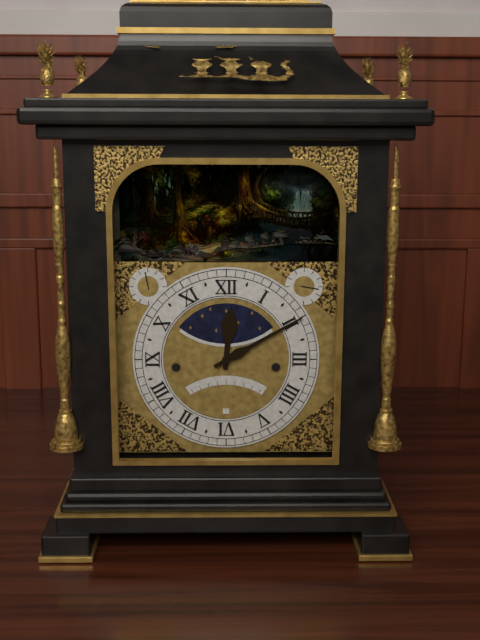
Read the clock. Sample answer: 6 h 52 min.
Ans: 12 h 10 min
